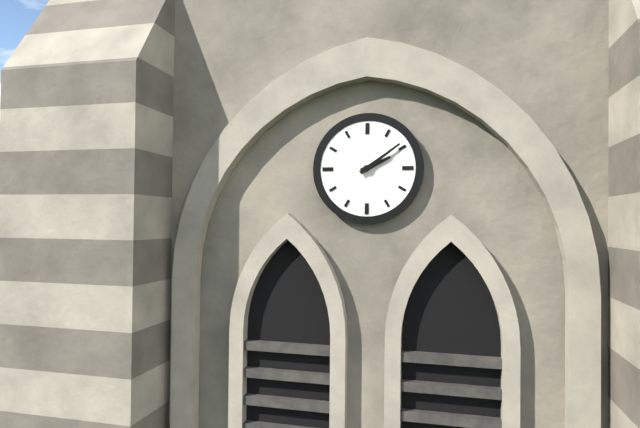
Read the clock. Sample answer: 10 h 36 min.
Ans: 2 h 09 min
